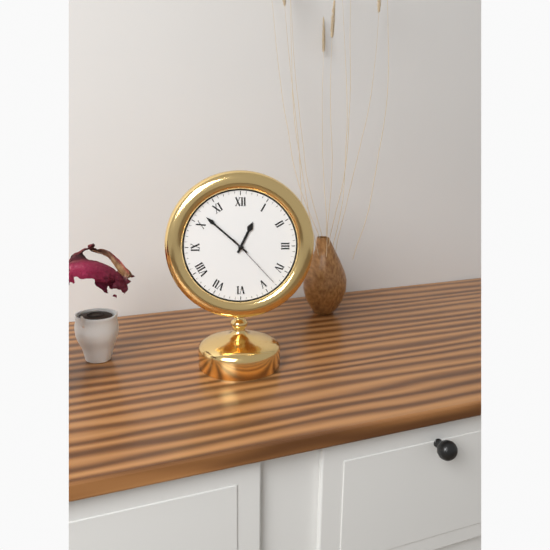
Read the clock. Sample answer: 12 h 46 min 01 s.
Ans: 12 h 52 min 23 s
